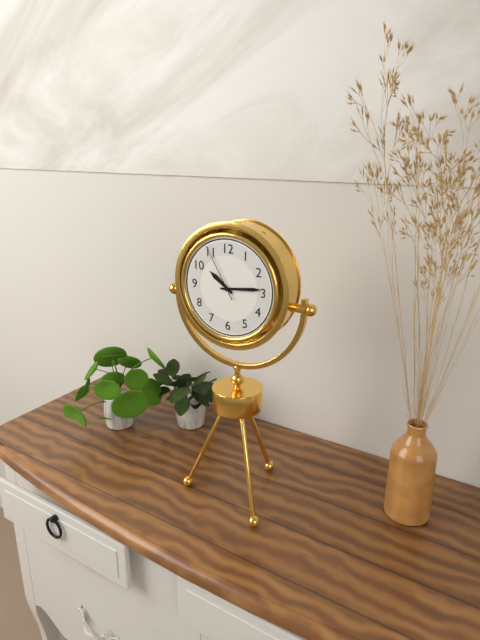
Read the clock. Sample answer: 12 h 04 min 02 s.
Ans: 10 h 14 min 55 s
